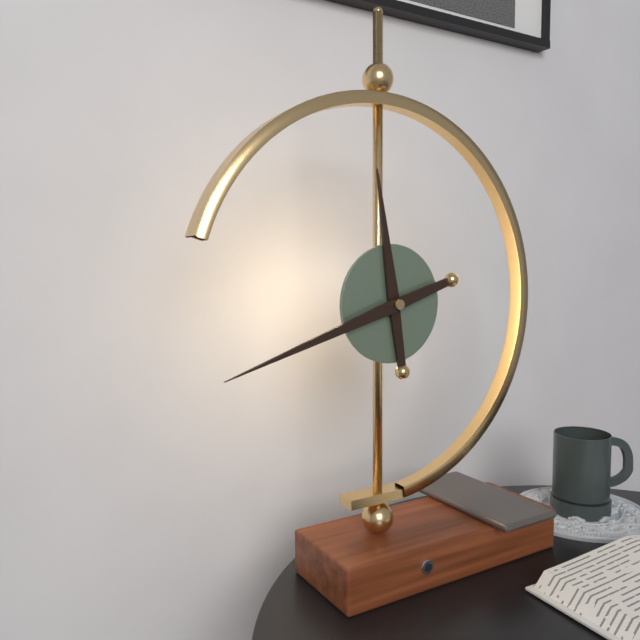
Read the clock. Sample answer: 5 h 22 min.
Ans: 11 h 42 min
